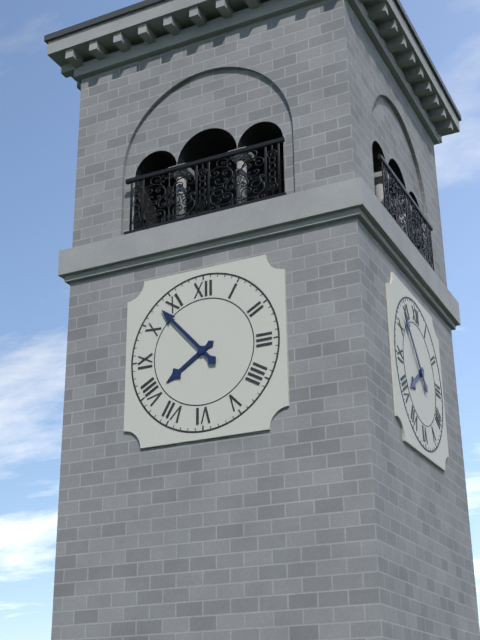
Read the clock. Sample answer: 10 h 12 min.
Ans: 7 h 53 min
